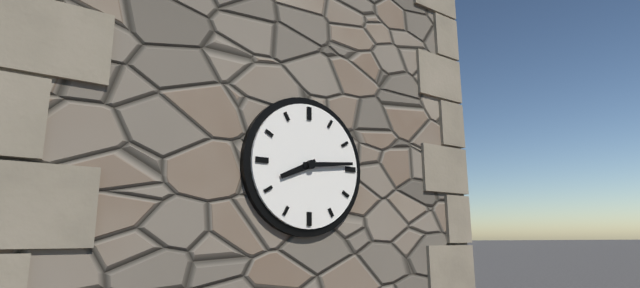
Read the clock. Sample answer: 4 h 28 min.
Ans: 8 h 14 min
